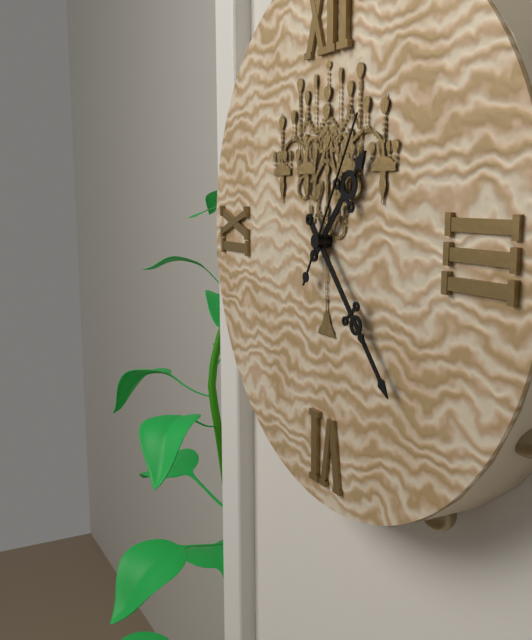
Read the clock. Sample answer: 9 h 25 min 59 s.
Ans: 1 h 23 min 05 s
